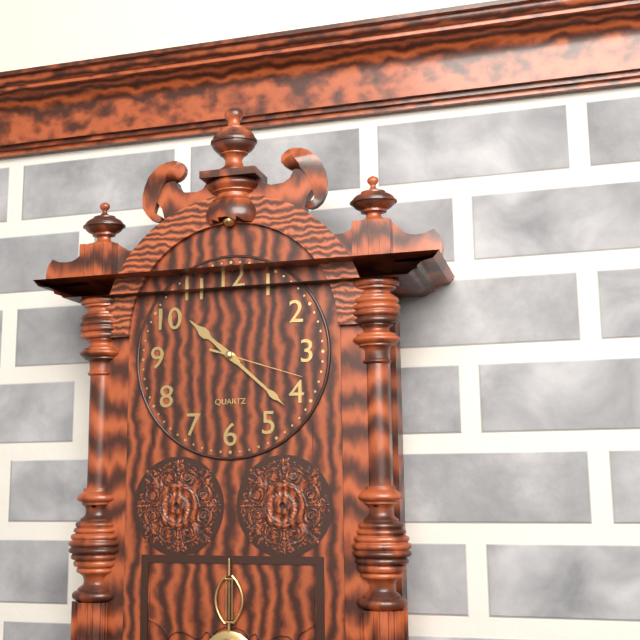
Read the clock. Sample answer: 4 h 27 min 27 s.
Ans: 10 h 22 min 18 s
